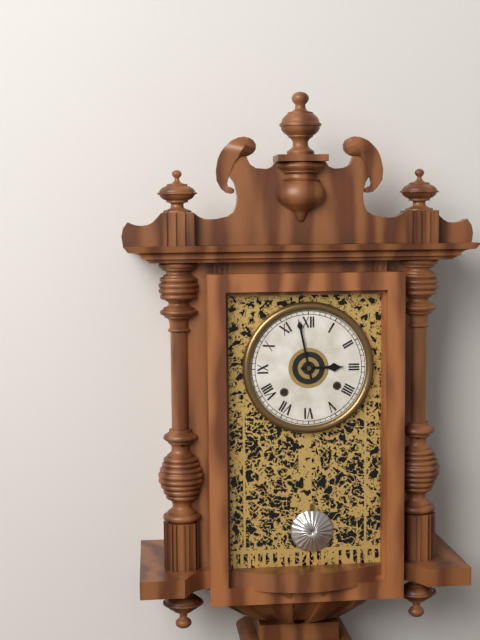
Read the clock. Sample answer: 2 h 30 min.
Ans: 2 h 58 min
